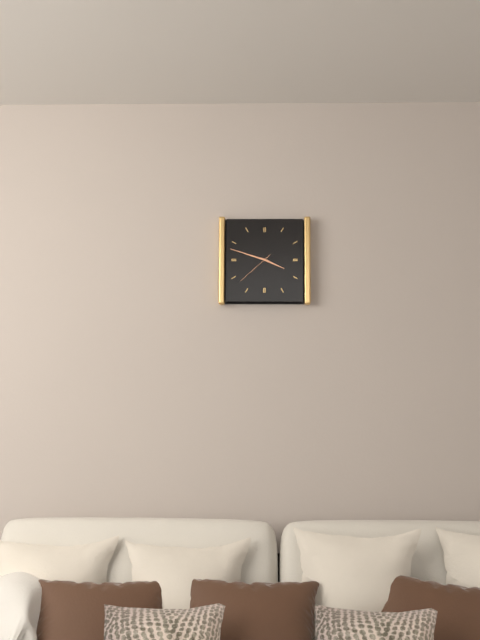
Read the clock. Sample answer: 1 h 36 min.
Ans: 3 h 48 min
